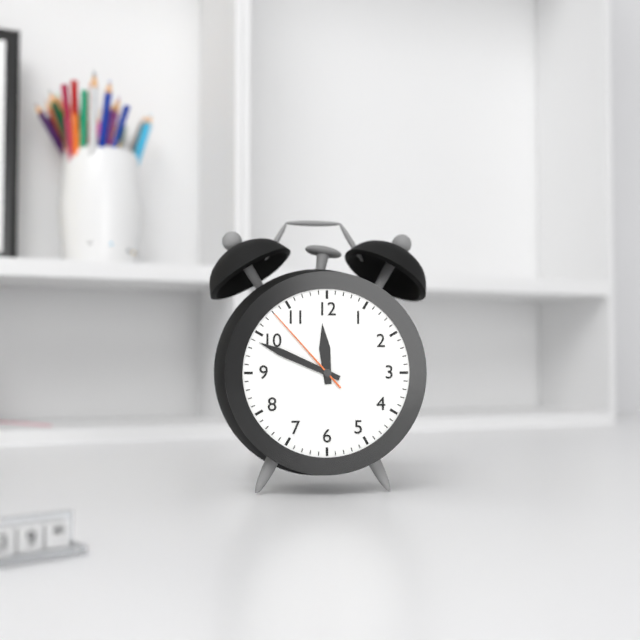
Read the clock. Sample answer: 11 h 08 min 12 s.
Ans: 11 h 49 min 53 s
